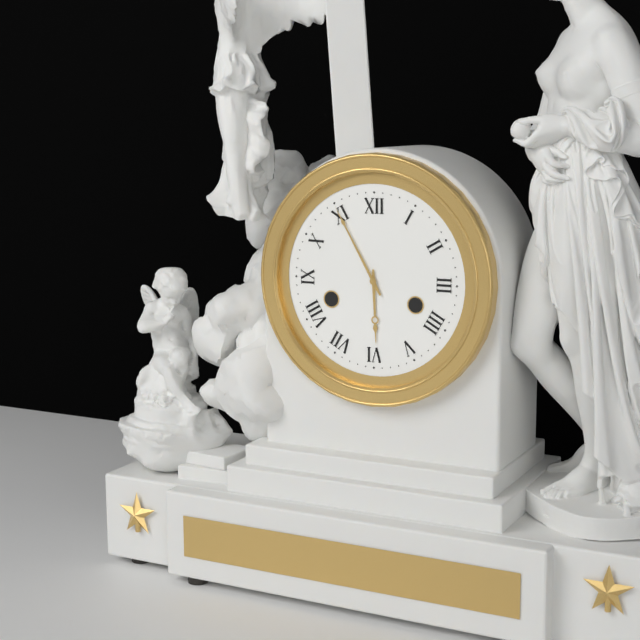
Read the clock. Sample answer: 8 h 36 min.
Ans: 5 h 55 min
